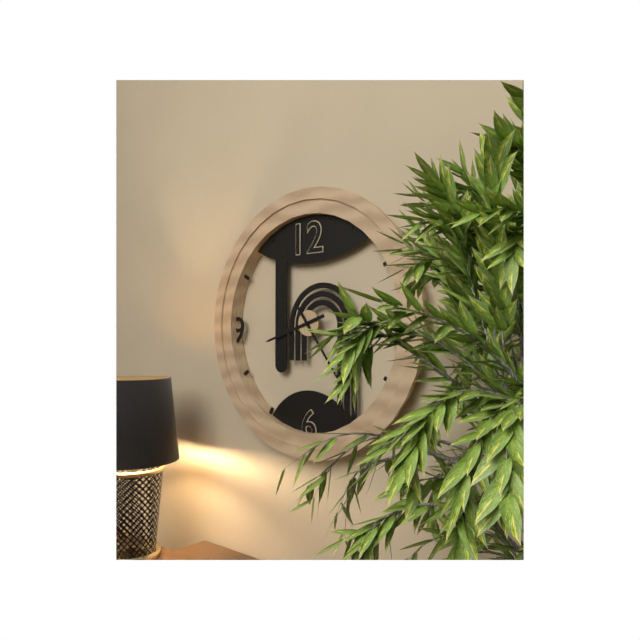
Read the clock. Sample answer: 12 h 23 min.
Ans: 8 h 24 min
